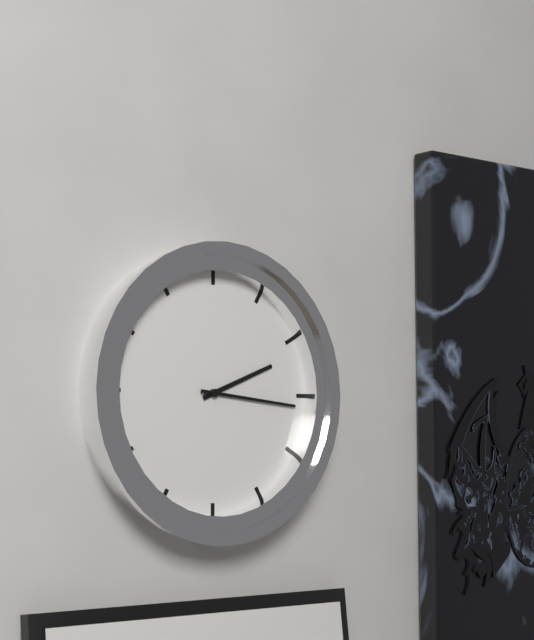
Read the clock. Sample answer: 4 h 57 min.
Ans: 2 h 16 min
